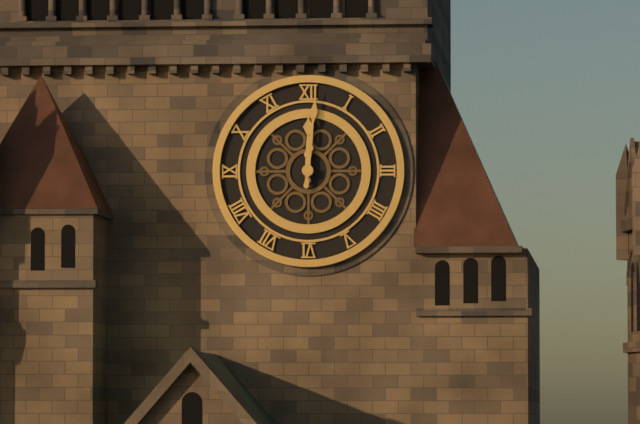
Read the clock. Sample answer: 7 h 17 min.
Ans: 12 h 01 min
